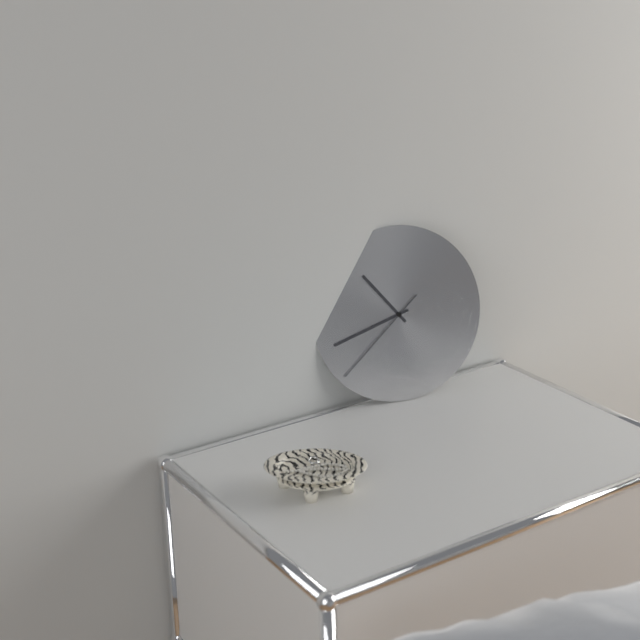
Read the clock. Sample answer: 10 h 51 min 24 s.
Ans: 10 h 42 min 38 s
